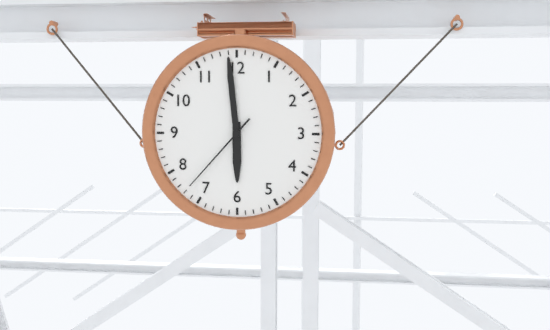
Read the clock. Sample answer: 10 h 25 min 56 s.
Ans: 5 h 59 min 37 s
